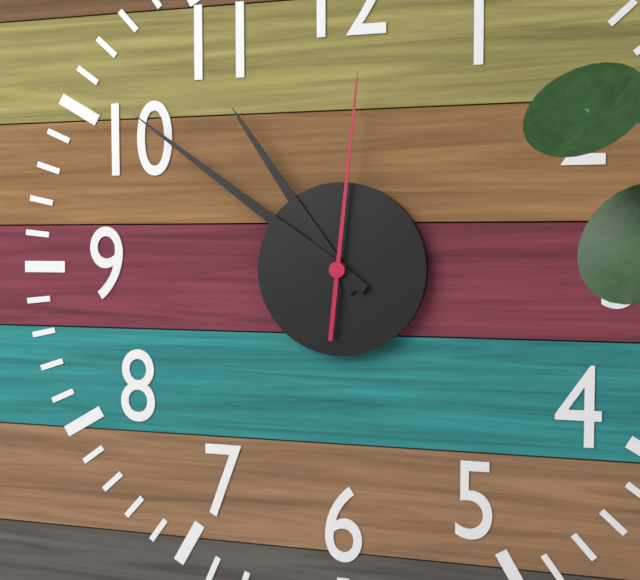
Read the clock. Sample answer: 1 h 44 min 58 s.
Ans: 10 h 51 min 01 s
